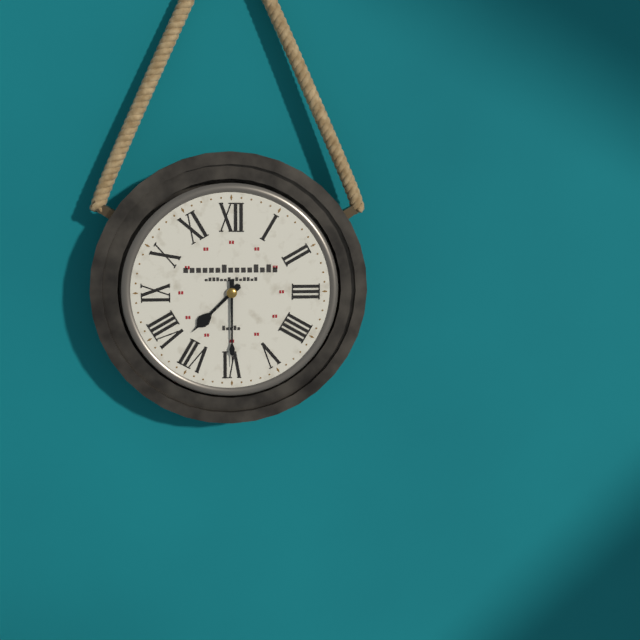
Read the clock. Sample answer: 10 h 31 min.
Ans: 7 h 30 min
